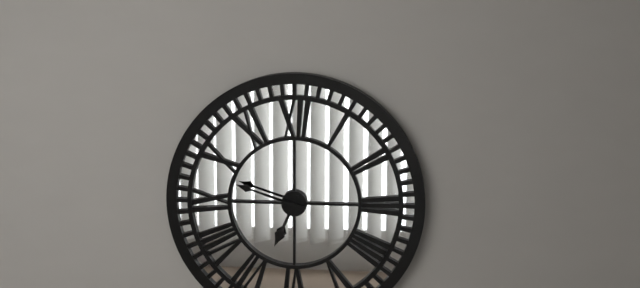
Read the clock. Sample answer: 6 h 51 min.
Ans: 6 h 48 min
